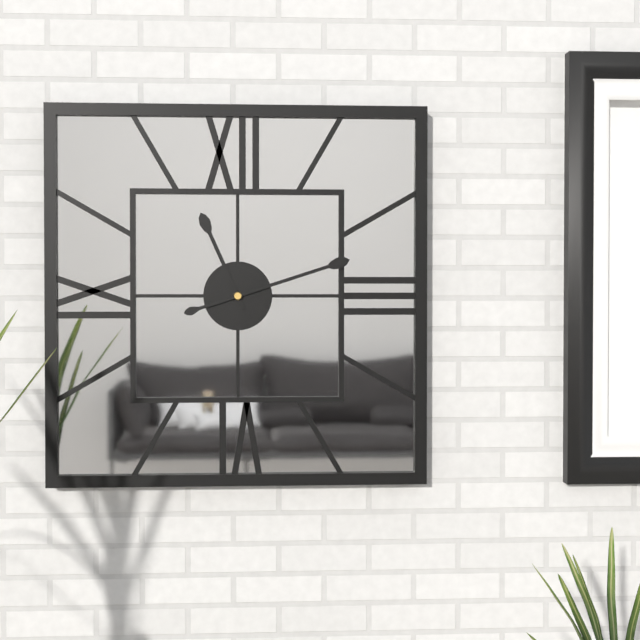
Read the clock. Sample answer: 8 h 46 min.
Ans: 11 h 12 min
